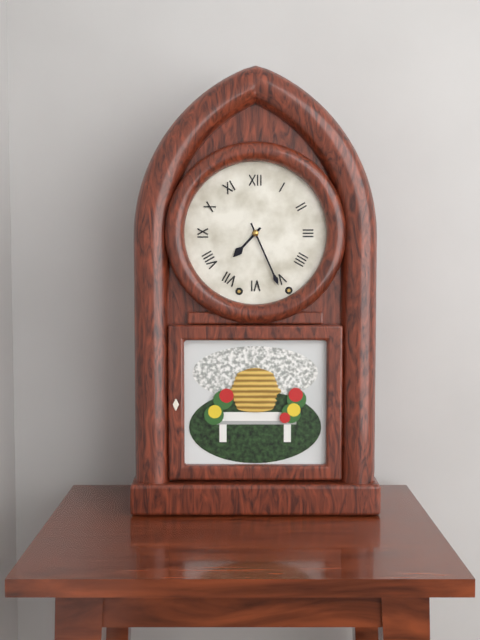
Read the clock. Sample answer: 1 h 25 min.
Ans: 7 h 26 min
